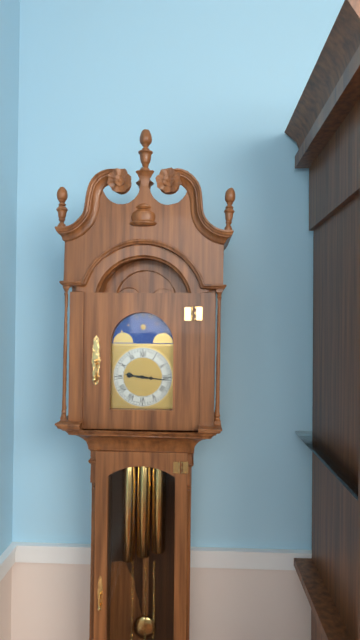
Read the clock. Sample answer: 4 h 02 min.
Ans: 9 h 16 min
